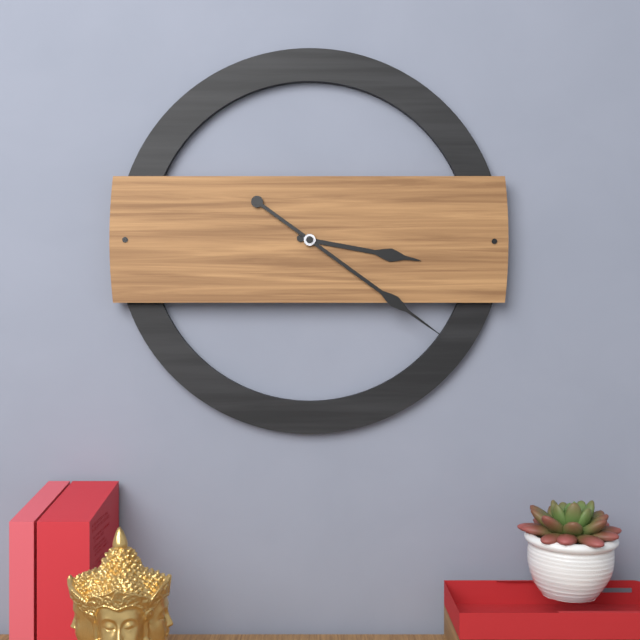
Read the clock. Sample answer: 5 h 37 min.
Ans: 3 h 21 min
